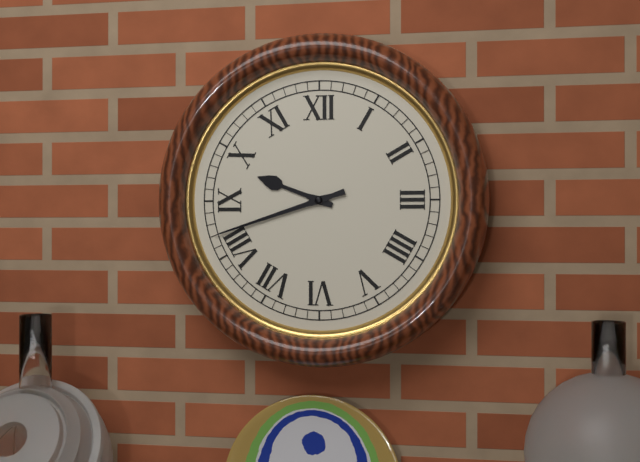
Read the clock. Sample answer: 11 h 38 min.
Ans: 9 h 42 min
